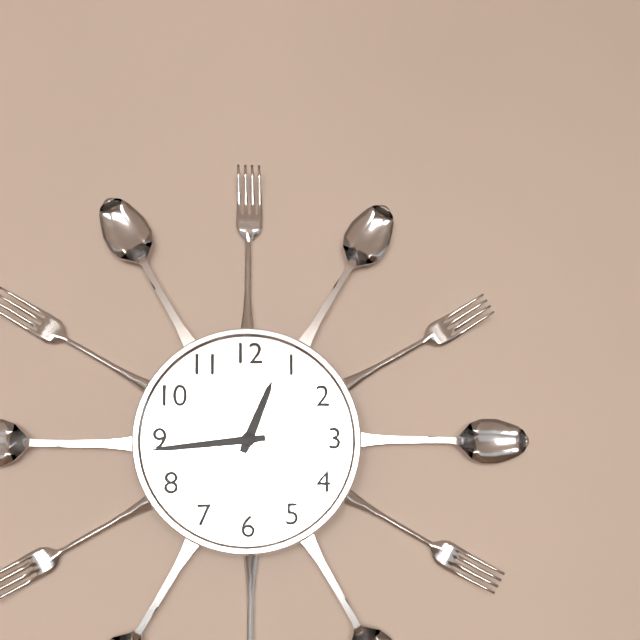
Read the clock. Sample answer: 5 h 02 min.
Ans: 12 h 44 min
